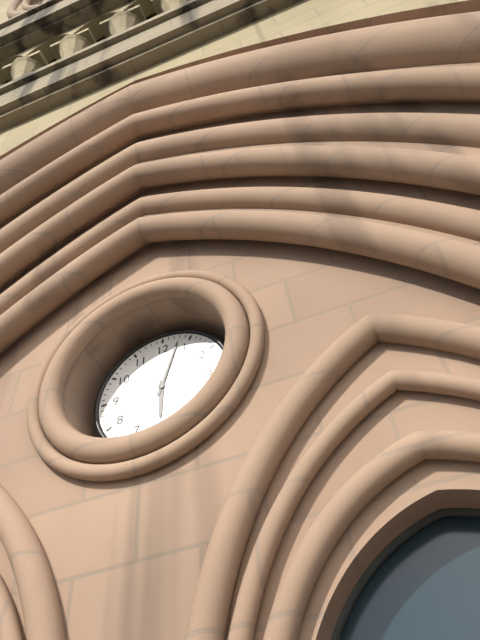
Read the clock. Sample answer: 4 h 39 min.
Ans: 6 h 03 min
